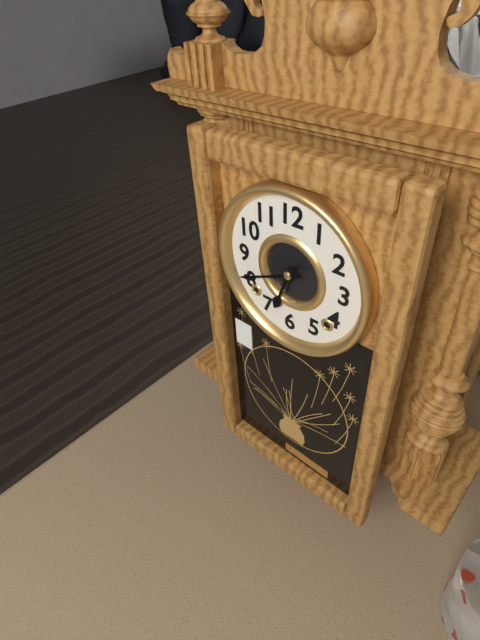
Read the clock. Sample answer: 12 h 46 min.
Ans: 6 h 41 min
